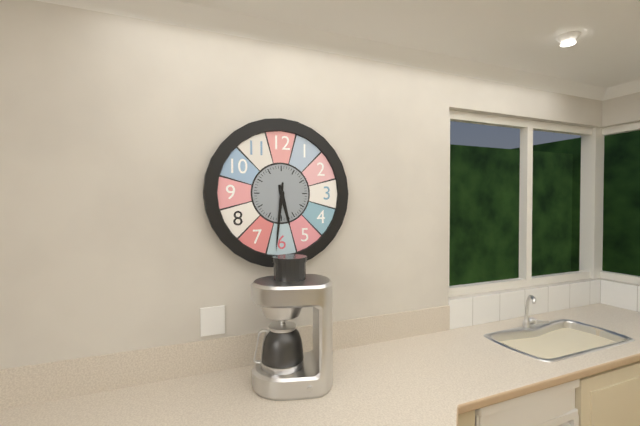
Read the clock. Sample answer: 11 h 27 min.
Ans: 5 h 31 min
